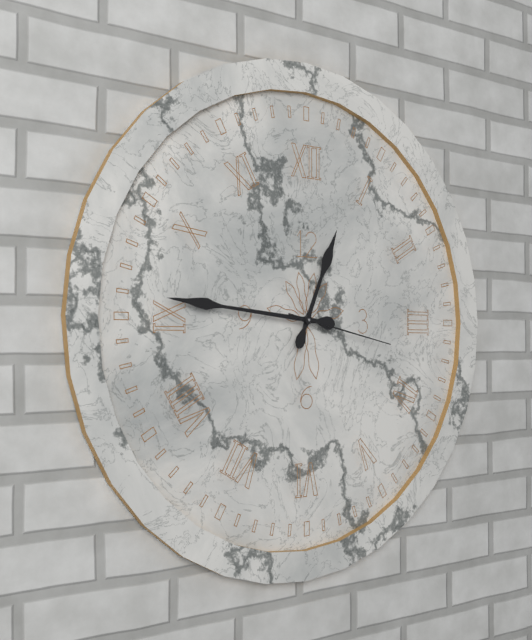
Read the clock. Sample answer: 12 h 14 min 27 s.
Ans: 12 h 46 min 17 s
